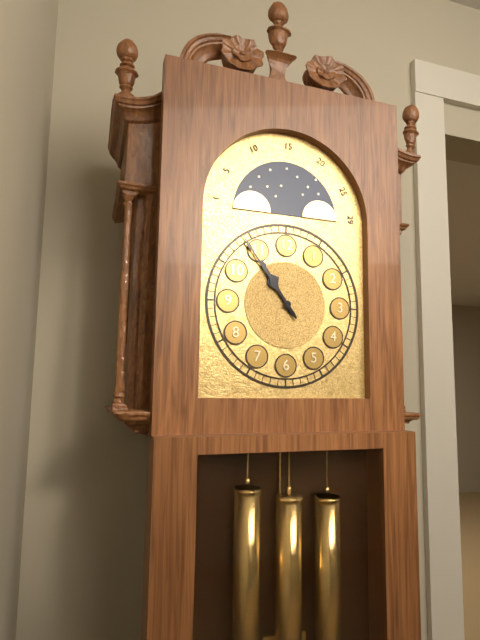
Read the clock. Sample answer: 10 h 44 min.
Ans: 10 h 54 min
